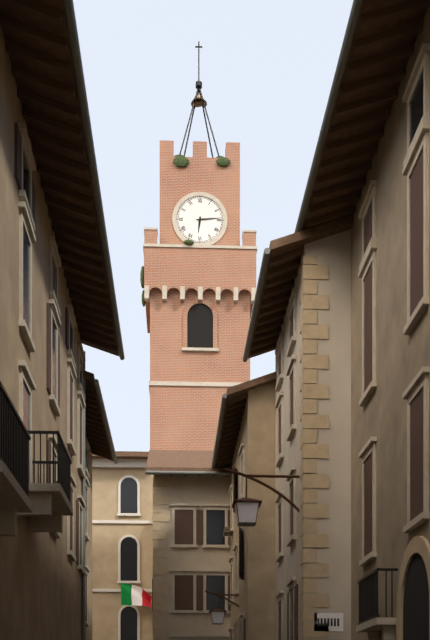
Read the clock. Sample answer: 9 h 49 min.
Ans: 6 h 14 min
